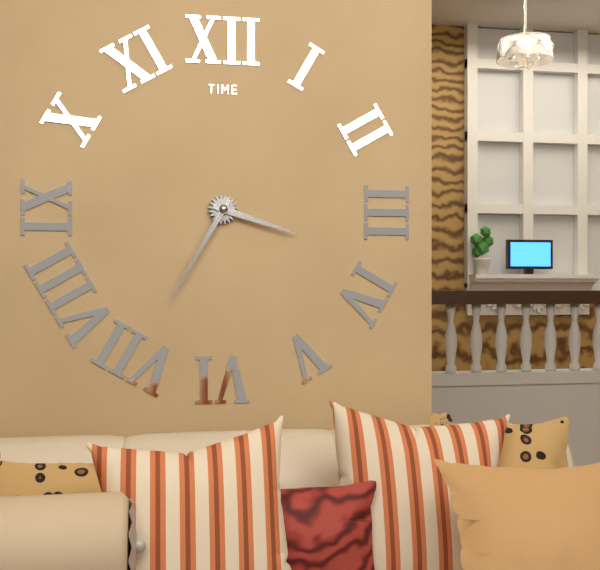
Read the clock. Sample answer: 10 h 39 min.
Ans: 3 h 35 min
